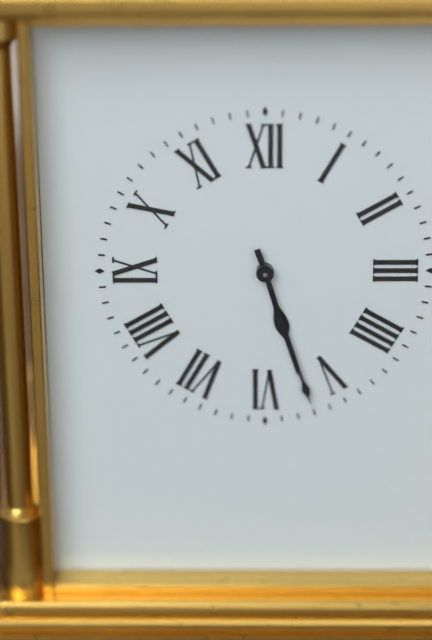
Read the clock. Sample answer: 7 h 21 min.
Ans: 5 h 27 min
